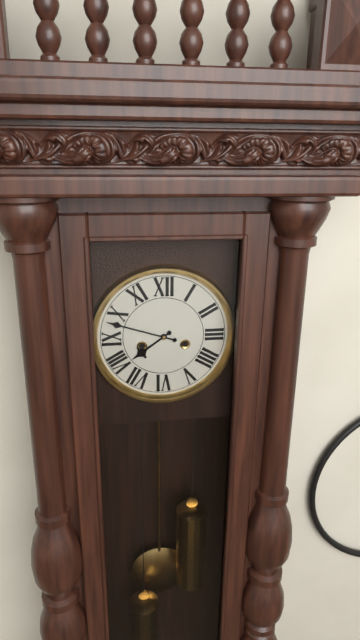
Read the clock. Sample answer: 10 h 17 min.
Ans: 7 h 48 min
